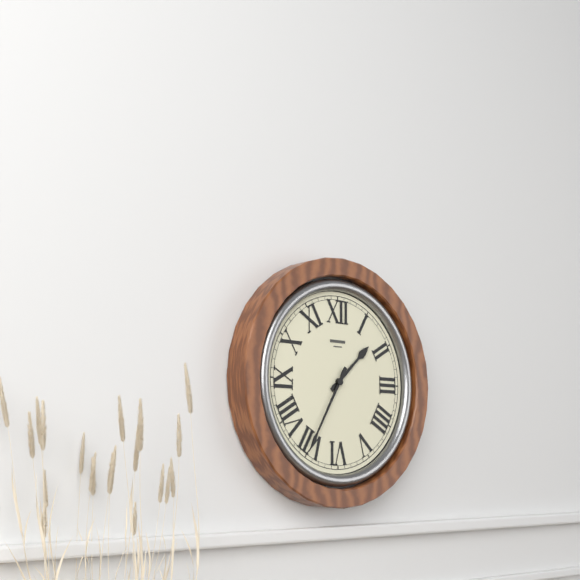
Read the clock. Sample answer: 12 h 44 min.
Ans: 1 h 35 min
